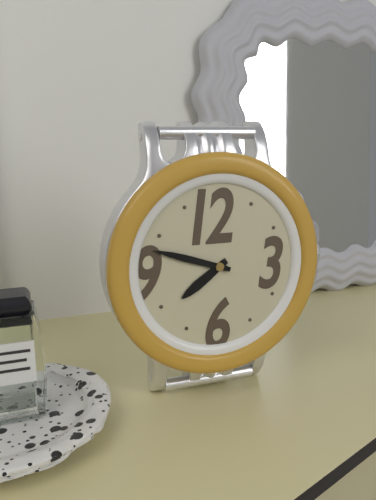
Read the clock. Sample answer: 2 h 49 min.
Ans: 7 h 48 min
